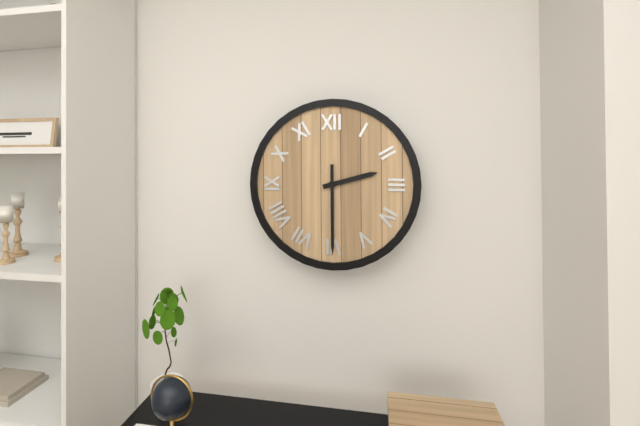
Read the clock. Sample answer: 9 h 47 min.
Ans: 2 h 30 min
